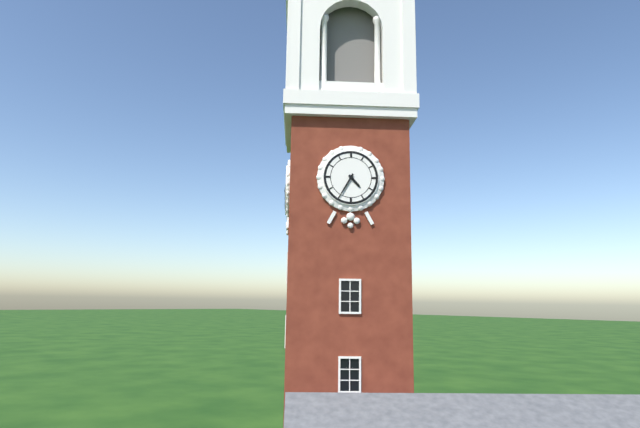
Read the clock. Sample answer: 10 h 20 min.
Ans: 4 h 35 min
